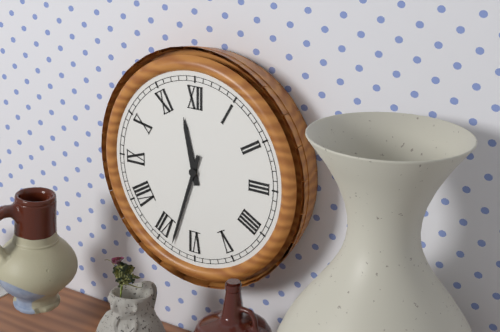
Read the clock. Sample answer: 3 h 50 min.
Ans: 11 h 33 min
